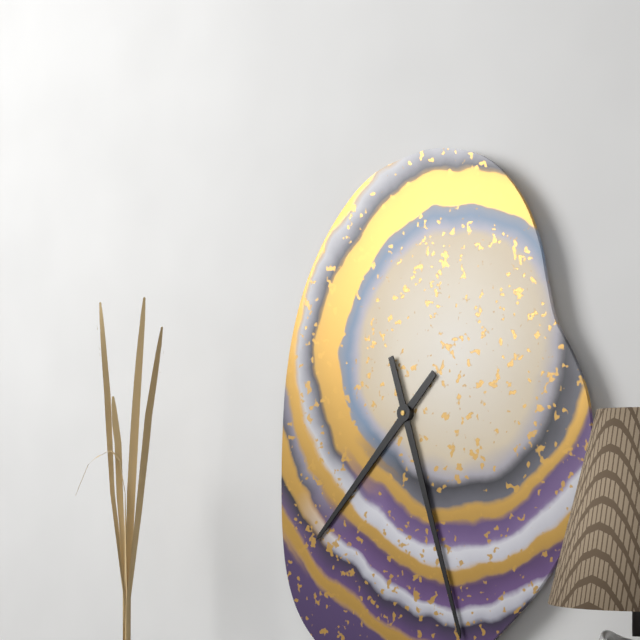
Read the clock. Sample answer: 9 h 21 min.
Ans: 7 h 27 min
